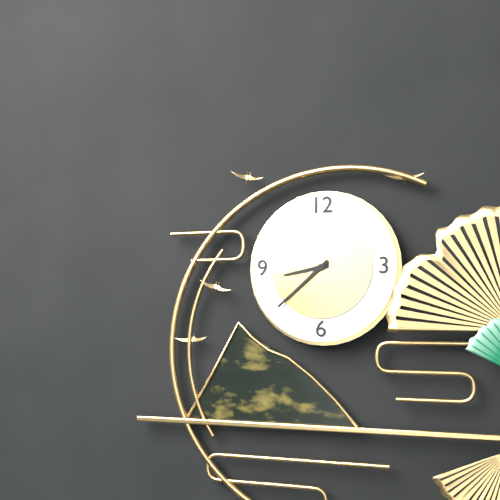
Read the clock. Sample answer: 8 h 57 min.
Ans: 8 h 38 min
